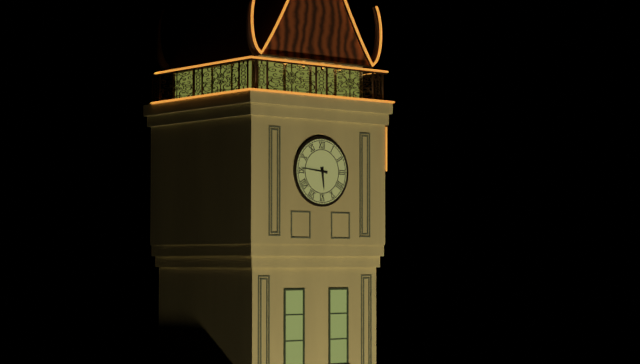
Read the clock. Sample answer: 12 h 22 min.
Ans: 5 h 46 min
